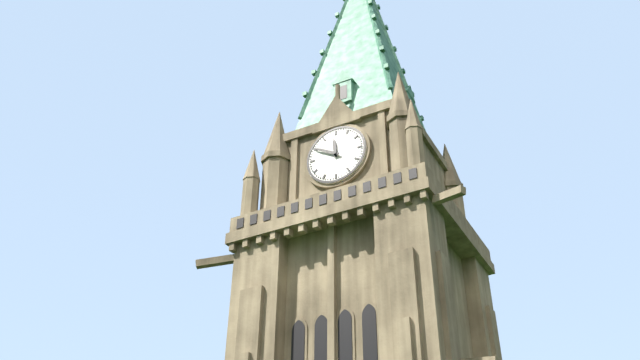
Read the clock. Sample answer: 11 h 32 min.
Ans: 11 h 50 min
